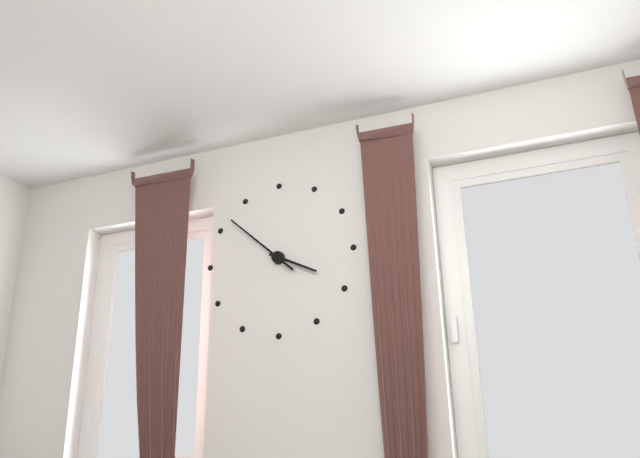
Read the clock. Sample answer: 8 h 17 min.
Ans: 3 h 52 min
